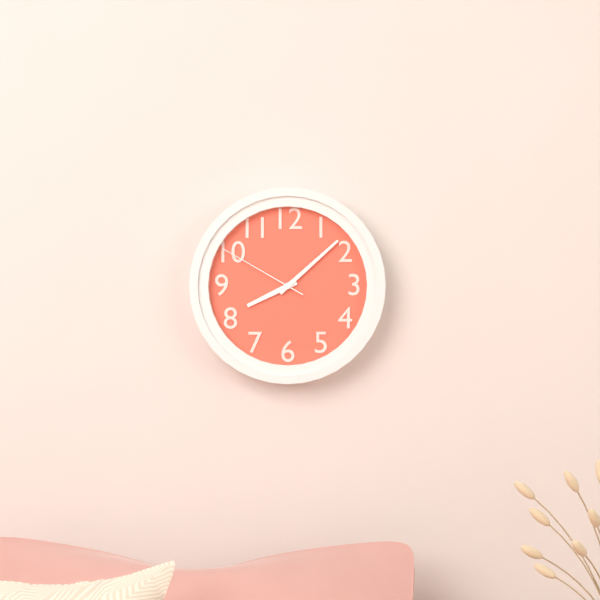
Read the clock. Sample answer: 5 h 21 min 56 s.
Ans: 8 h 08 min 50 s
